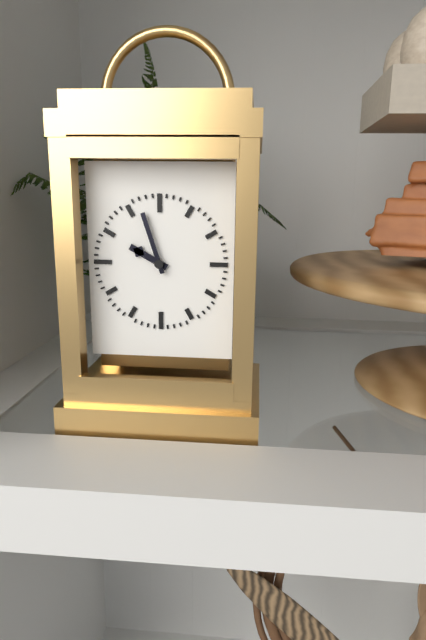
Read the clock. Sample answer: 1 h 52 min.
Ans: 9 h 57 min
